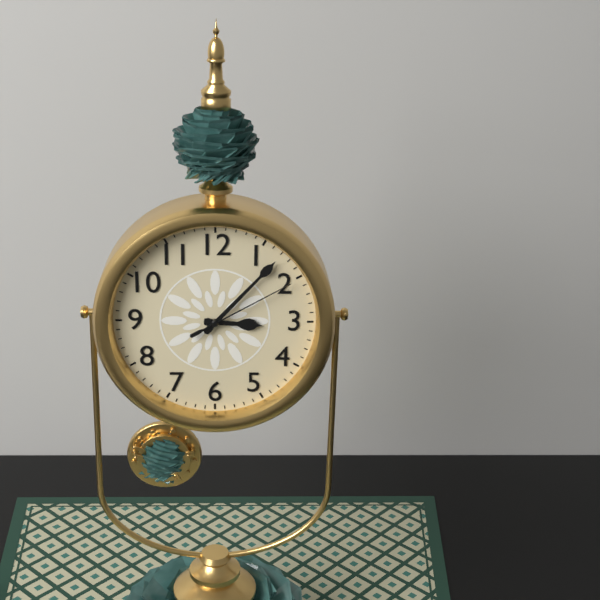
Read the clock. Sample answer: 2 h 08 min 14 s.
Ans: 3 h 07 min 10 s
